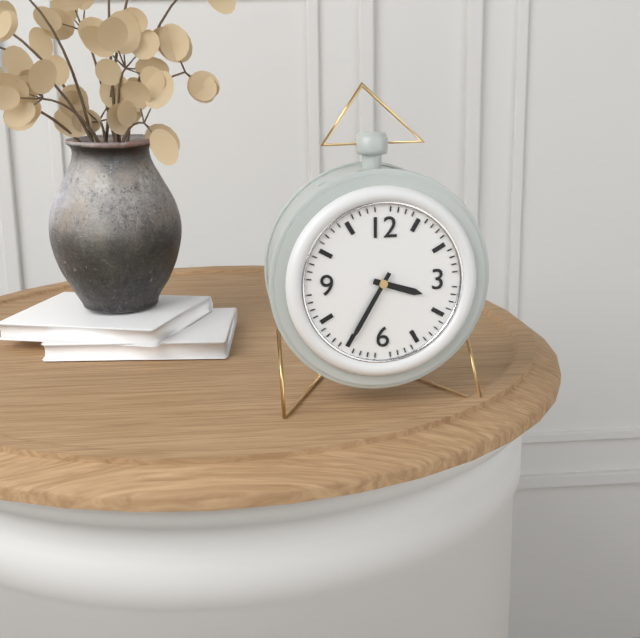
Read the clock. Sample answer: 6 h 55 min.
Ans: 3 h 35 min
